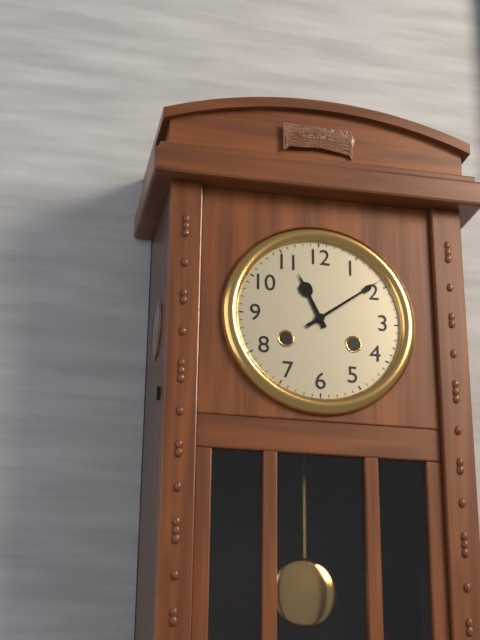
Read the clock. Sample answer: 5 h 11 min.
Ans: 11 h 09 min
